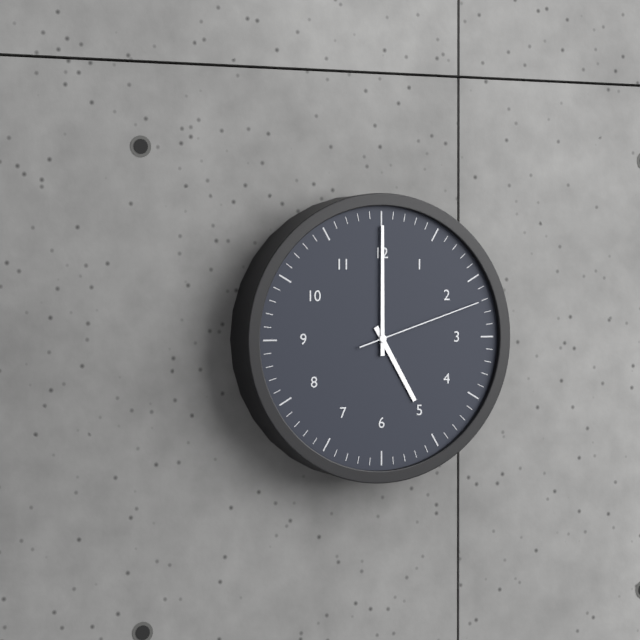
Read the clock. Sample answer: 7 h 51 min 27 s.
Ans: 5 h 00 min 12 s
